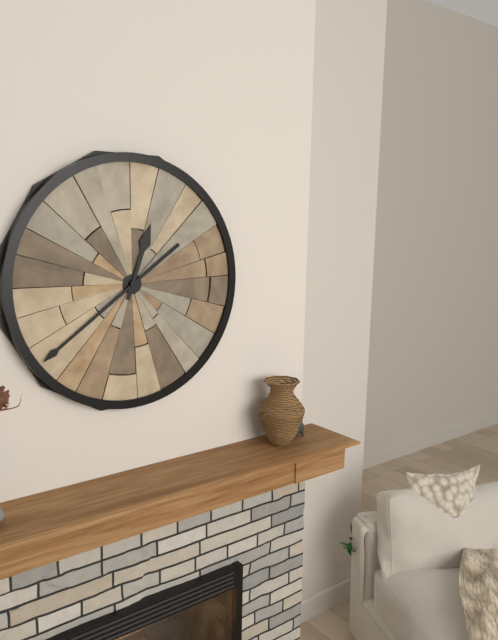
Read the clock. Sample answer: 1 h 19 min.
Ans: 12 h 39 min
